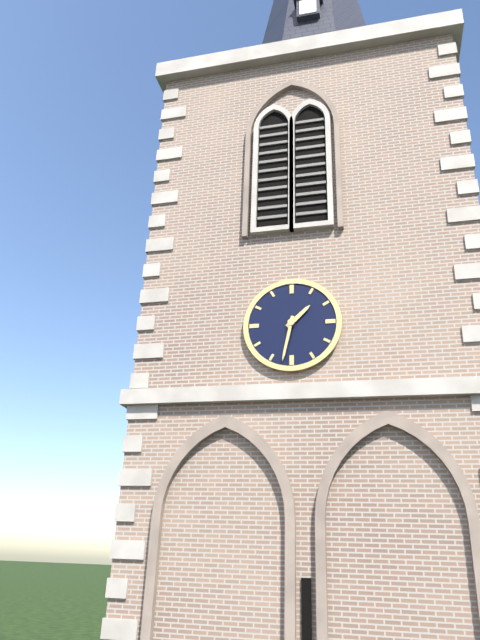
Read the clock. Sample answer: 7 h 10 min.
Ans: 1 h 32 min
